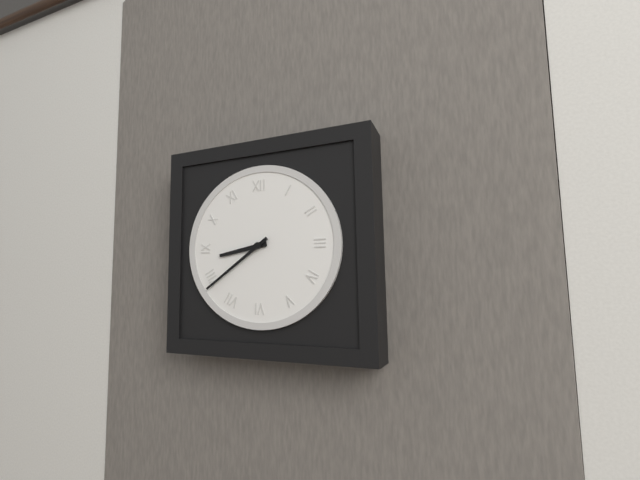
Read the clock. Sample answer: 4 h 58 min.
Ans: 8 h 39 min
